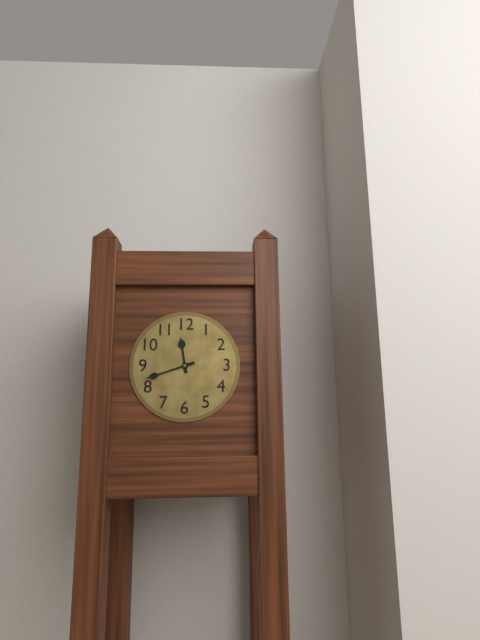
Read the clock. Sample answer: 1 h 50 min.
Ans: 11 h 42 min
